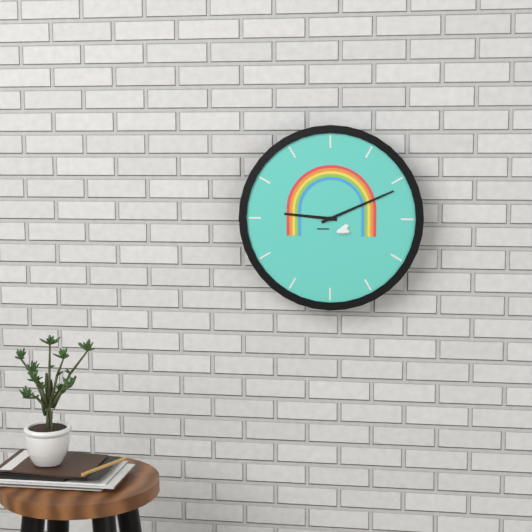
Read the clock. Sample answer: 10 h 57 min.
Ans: 9 h 11 min
